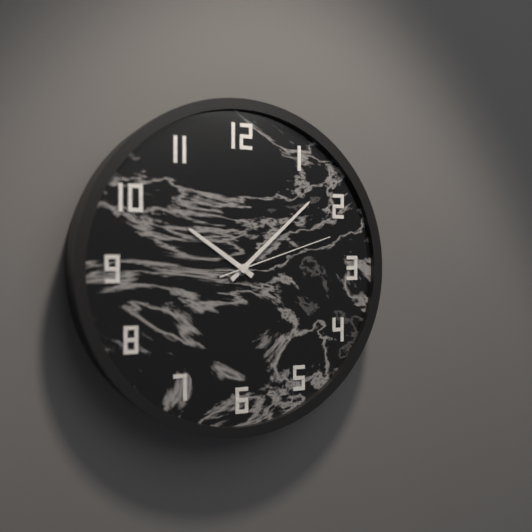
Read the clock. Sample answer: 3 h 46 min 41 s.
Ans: 10 h 08 min 12 s
